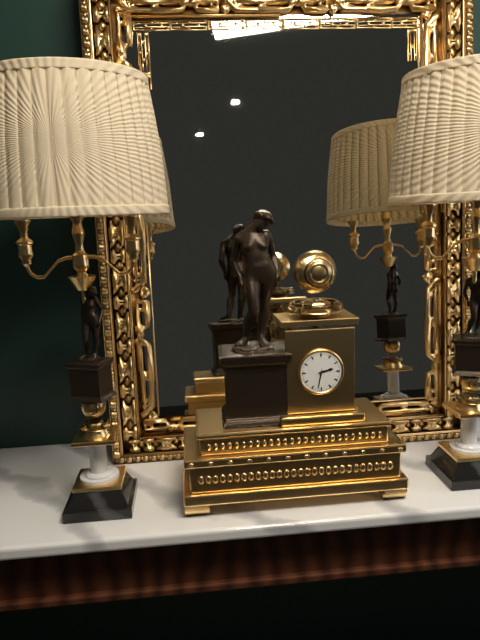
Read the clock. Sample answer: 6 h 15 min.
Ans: 2 h 32 min
